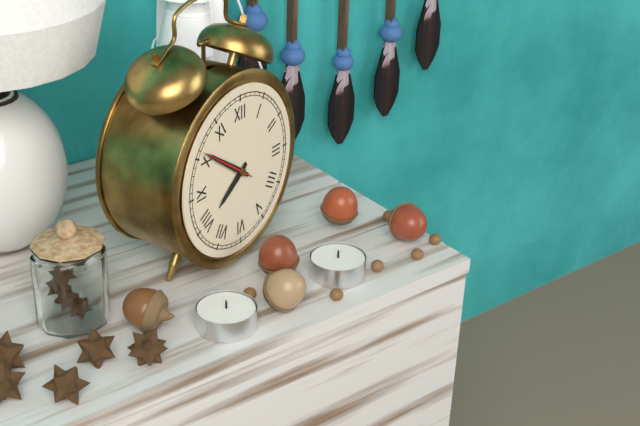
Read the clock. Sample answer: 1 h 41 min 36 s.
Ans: 7 h 51 min 51 s
